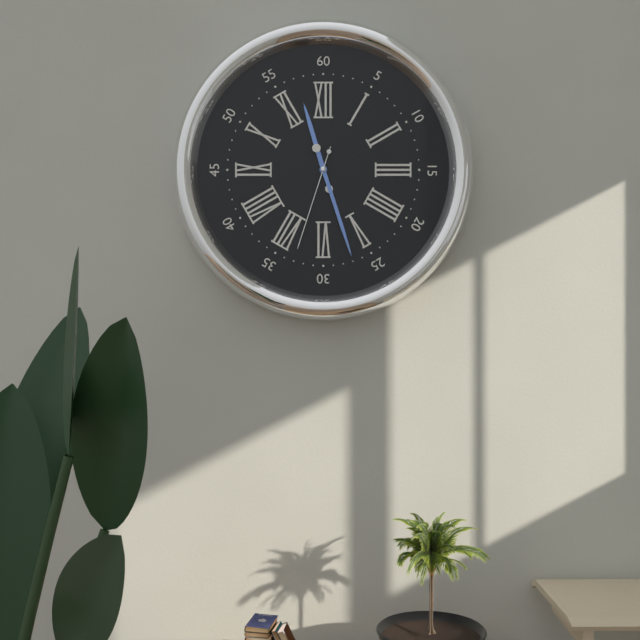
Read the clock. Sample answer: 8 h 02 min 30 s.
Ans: 11 h 27 min 33 s
